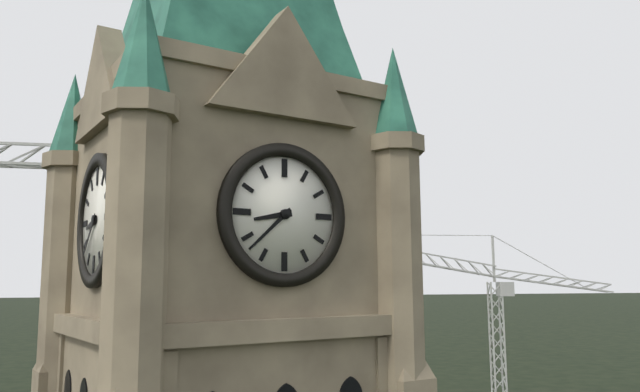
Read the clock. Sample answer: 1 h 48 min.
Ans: 8 h 38 min
